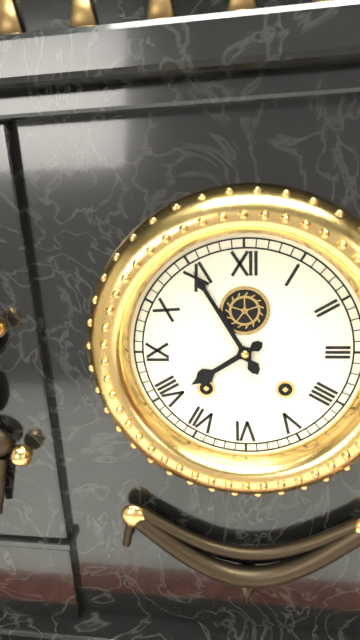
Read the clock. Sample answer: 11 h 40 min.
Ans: 7 h 55 min
